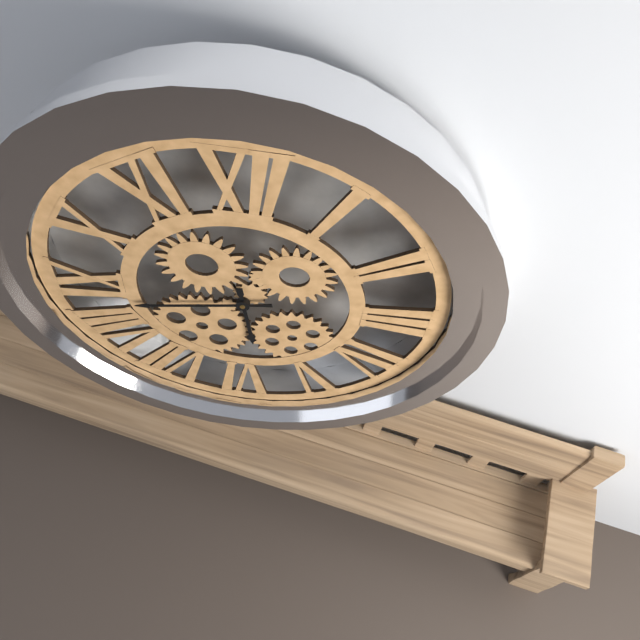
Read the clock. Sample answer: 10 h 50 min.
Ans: 5 h 43 min
